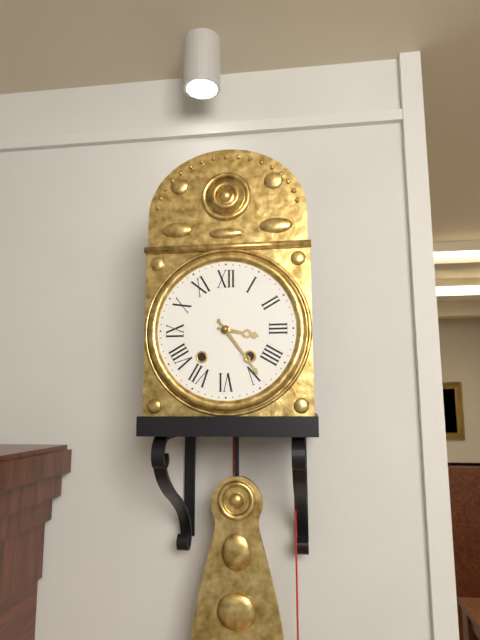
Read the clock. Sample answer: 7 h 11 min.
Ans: 3 h 24 min
